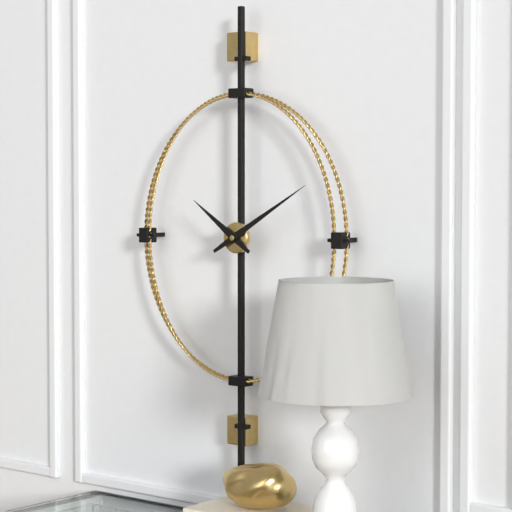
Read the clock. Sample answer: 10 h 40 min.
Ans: 10 h 10 min
